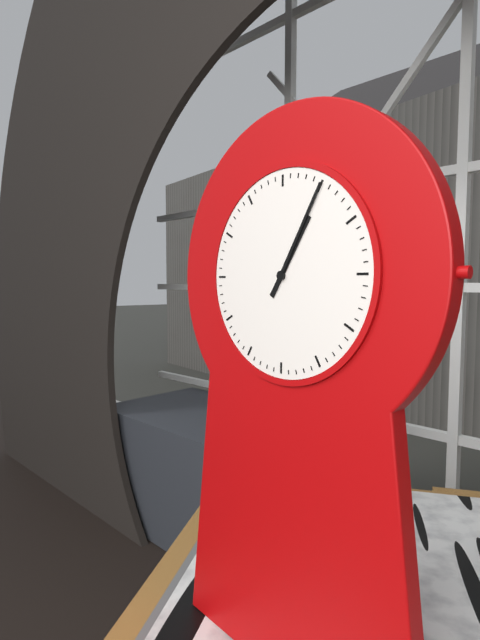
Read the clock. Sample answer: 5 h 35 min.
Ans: 1 h 05 min
